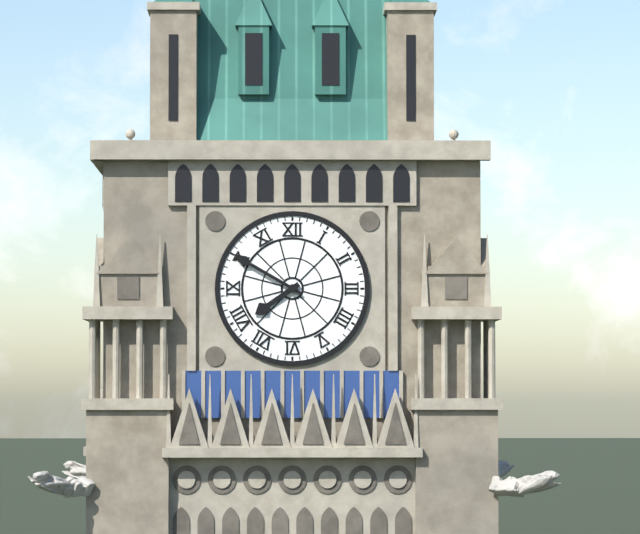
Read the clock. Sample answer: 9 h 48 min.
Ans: 7 h 50 min
